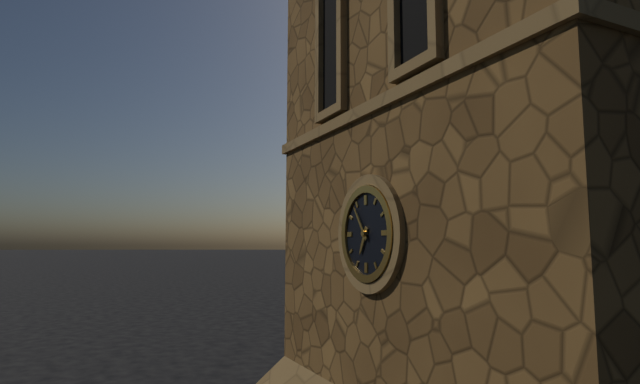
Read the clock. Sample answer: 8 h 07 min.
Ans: 6 h 54 min
